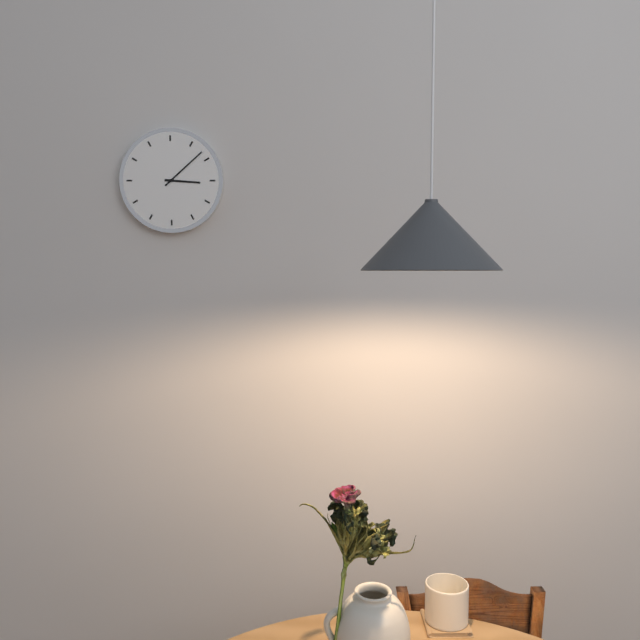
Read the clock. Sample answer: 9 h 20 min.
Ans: 3 h 08 min
